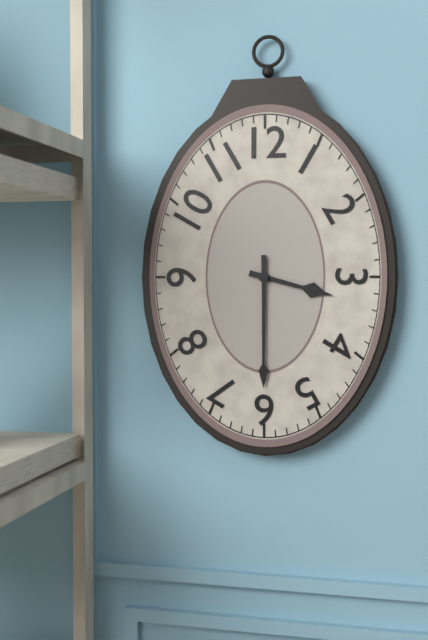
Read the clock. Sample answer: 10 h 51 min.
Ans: 3 h 30 min
